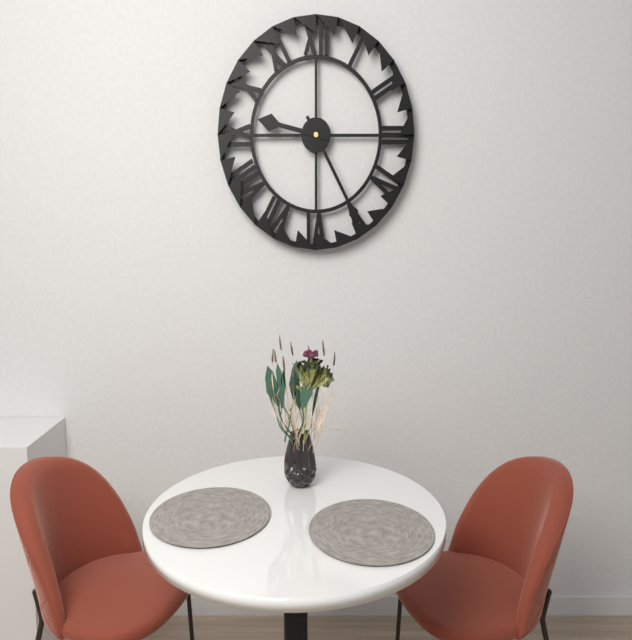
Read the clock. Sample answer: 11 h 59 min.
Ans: 9 h 25 min
